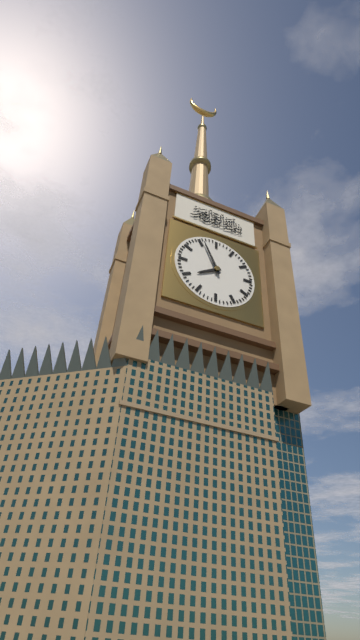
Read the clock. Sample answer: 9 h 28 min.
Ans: 7 h 56 min
